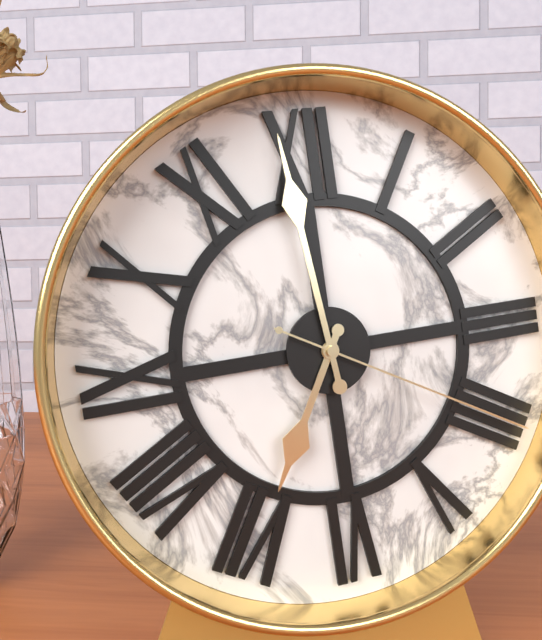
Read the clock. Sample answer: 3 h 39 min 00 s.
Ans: 6 h 59 min 20 s
